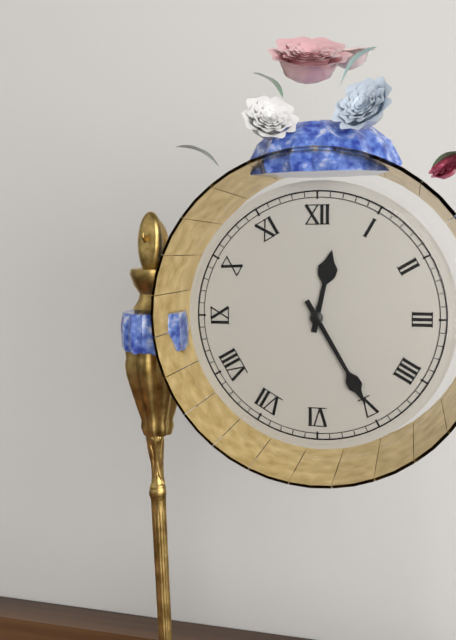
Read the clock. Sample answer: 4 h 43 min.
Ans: 12 h 25 min
